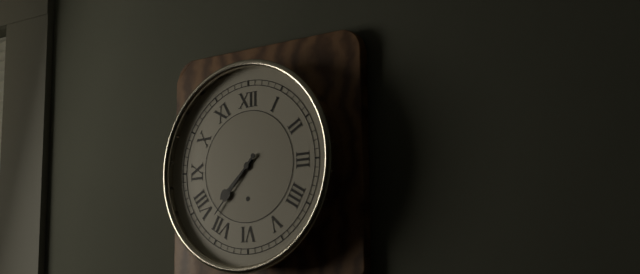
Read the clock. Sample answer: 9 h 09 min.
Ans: 7 h 37 min
